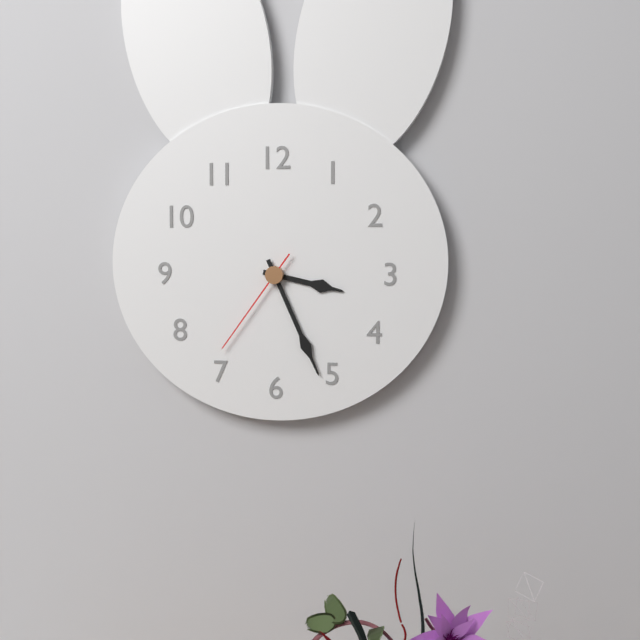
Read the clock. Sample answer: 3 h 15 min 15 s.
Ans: 3 h 26 min 36 s
